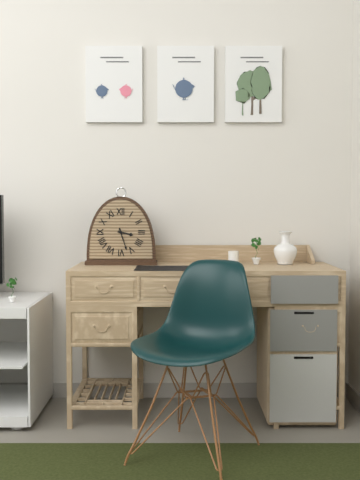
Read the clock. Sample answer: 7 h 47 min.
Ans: 3 h 27 min
